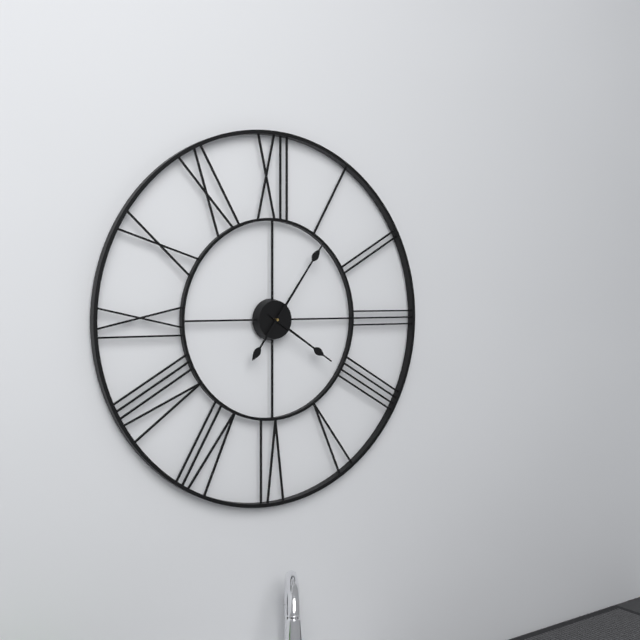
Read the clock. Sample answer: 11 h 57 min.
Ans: 4 h 06 min
